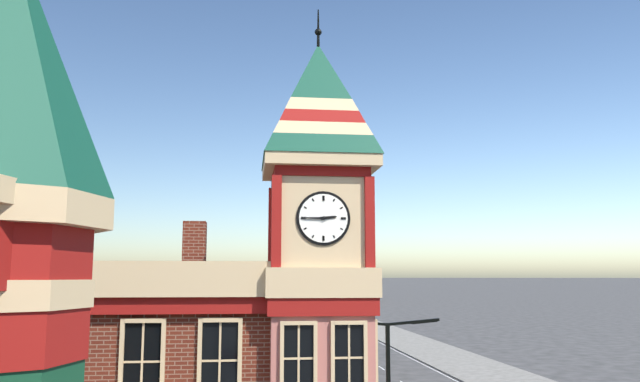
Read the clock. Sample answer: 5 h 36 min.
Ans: 2 h 45 min
